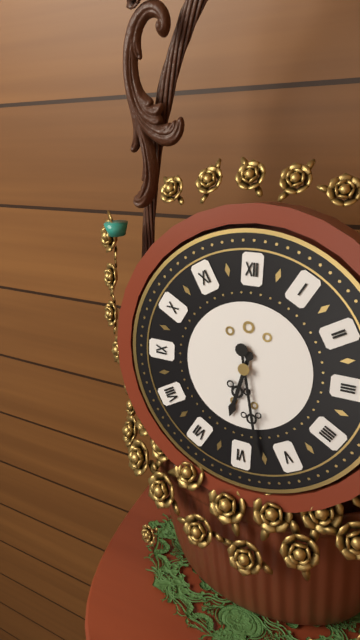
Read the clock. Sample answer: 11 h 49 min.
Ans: 6 h 28 min
